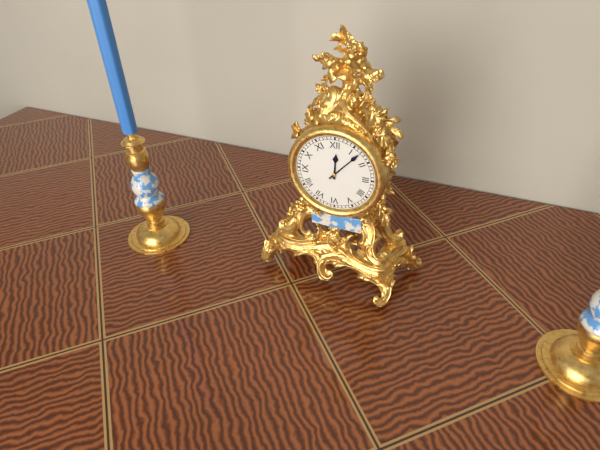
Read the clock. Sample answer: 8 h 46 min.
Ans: 12 h 07 min
